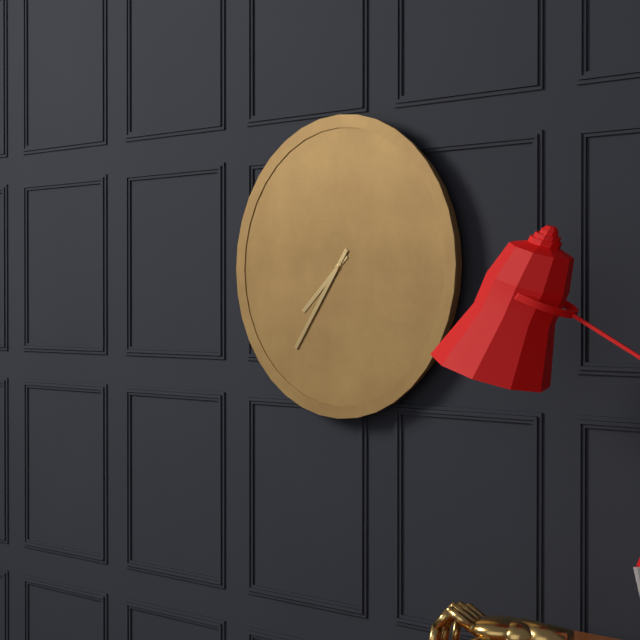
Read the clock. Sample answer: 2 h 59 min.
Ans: 7 h 36 min
